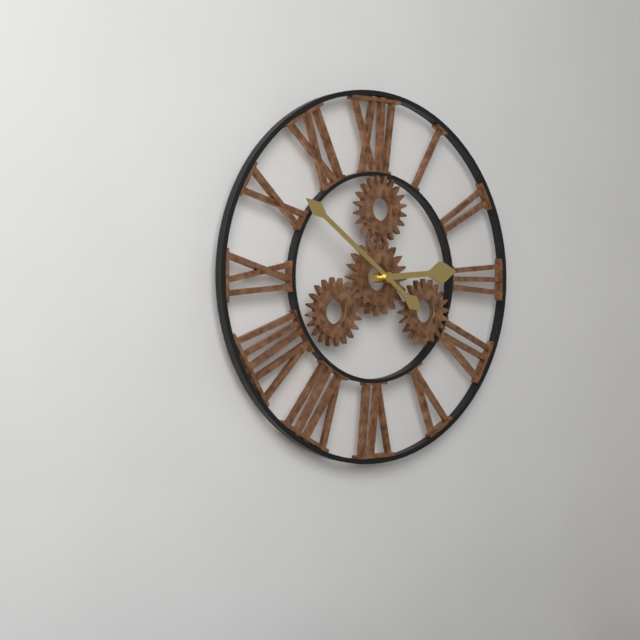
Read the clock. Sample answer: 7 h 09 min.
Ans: 2 h 51 min
